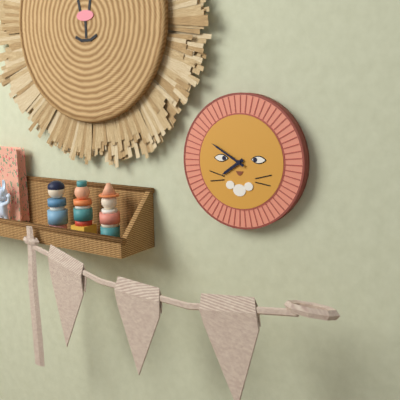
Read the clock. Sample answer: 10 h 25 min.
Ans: 7 h 50 min
